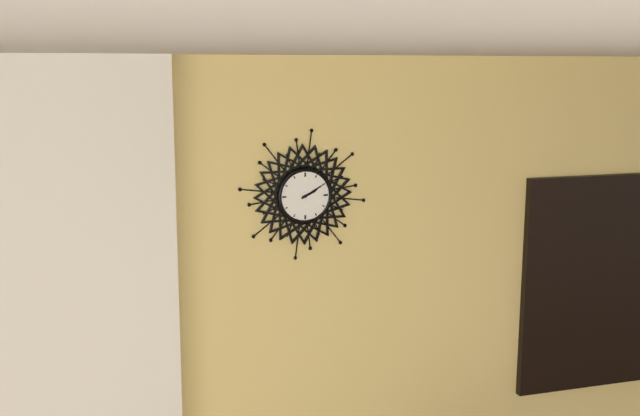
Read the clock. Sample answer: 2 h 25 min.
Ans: 2 h 10 min
